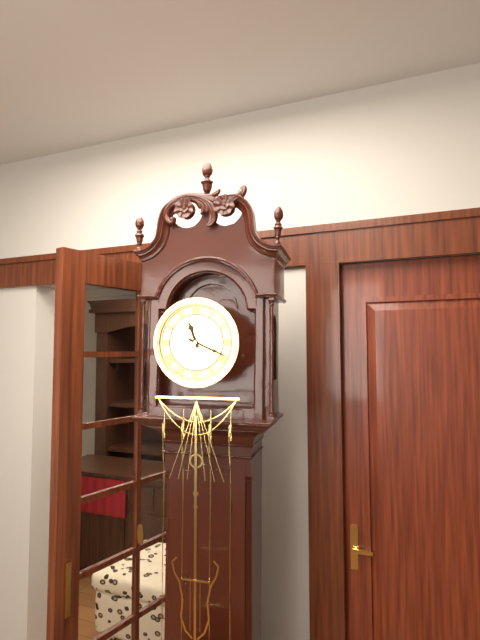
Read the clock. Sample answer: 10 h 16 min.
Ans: 11 h 19 min
